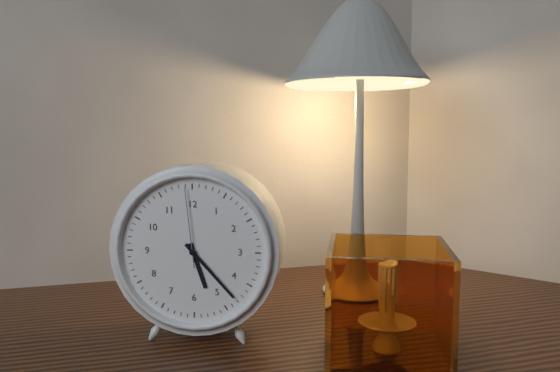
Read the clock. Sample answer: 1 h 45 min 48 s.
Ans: 5 h 23 min 59 s
